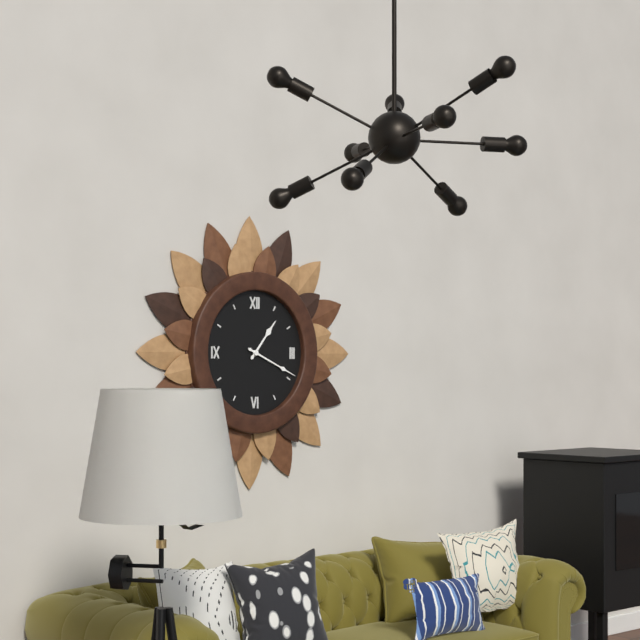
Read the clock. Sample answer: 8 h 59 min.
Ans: 1 h 19 min
